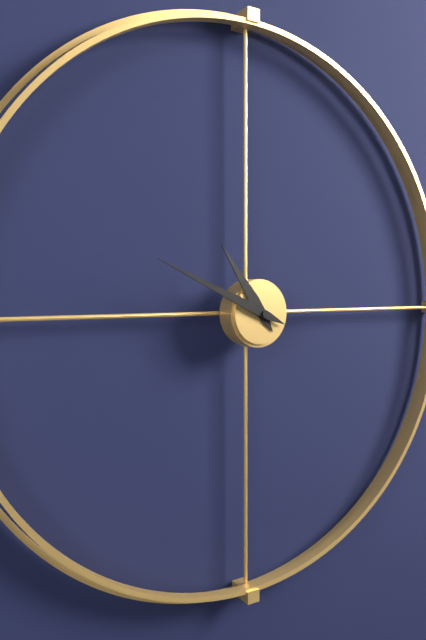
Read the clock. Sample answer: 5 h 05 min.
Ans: 10 h 49 min
